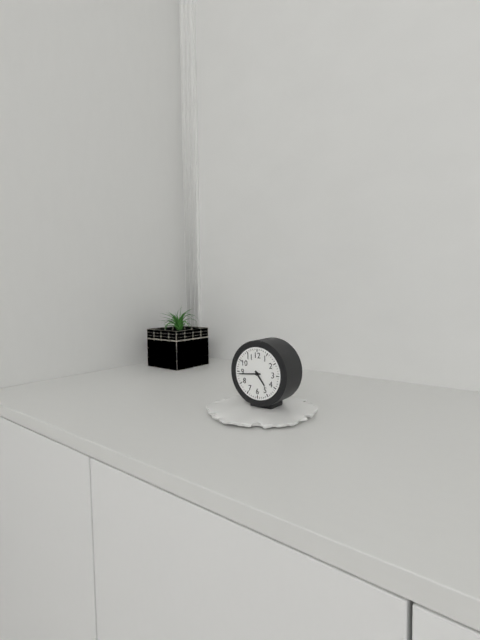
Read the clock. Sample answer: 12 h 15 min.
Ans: 4 h 44 min
